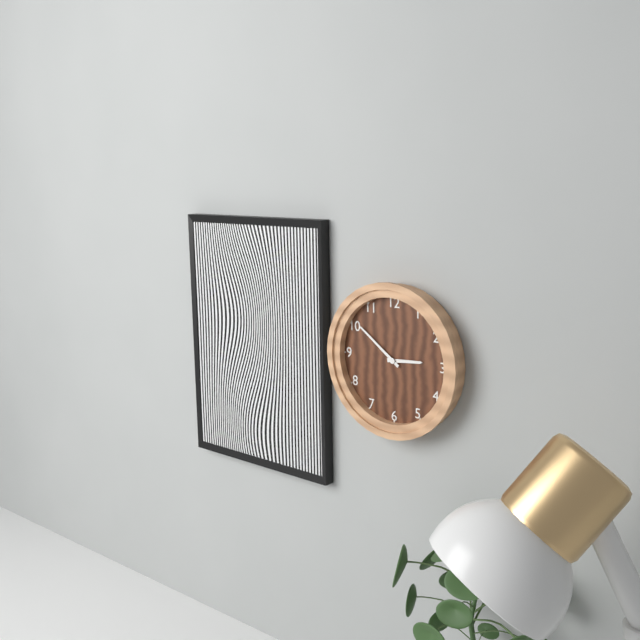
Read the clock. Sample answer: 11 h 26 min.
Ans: 2 h 51 min
